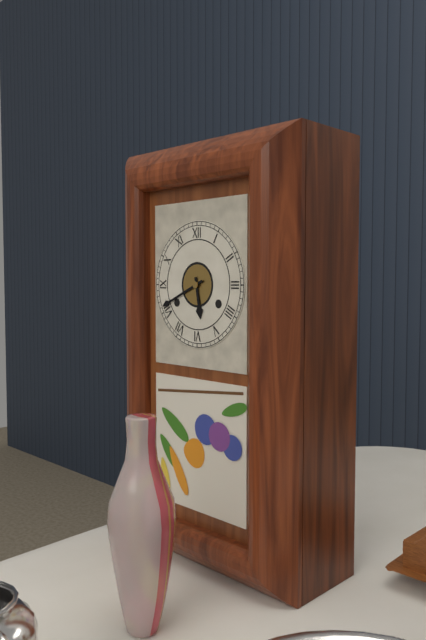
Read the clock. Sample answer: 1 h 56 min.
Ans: 5 h 41 min
